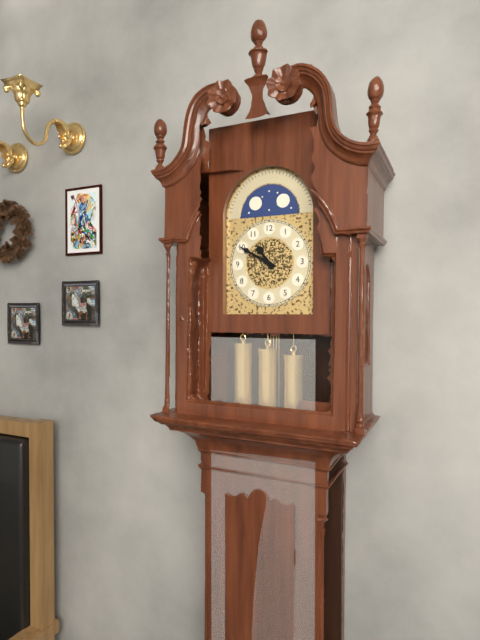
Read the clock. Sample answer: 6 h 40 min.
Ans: 10 h 50 min
